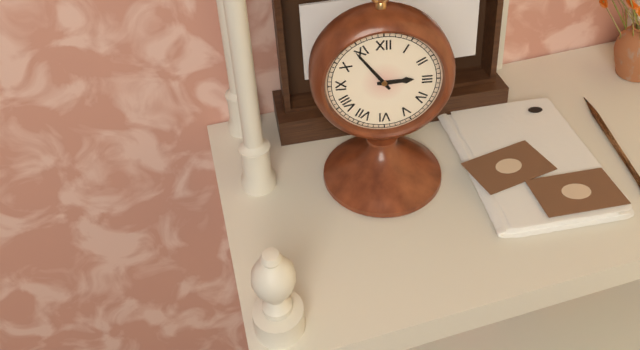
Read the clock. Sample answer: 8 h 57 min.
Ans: 2 h 54 min
